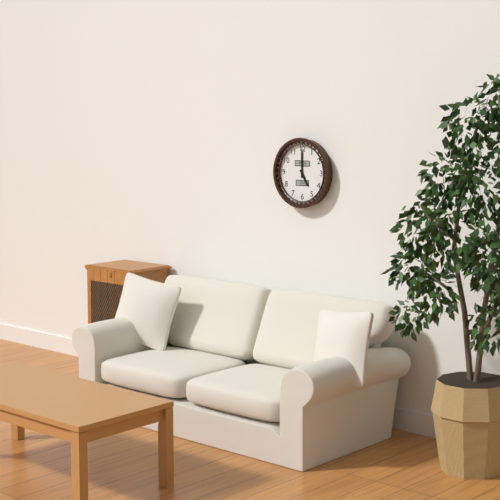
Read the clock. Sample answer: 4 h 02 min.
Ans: 5 h 00 min
